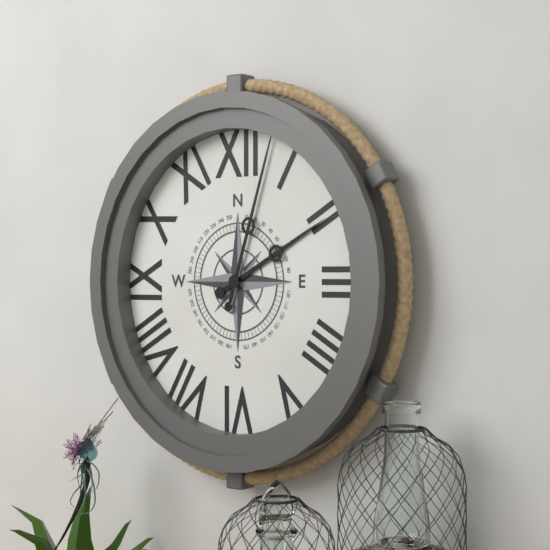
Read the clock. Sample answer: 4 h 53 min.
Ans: 2 h 03 min
